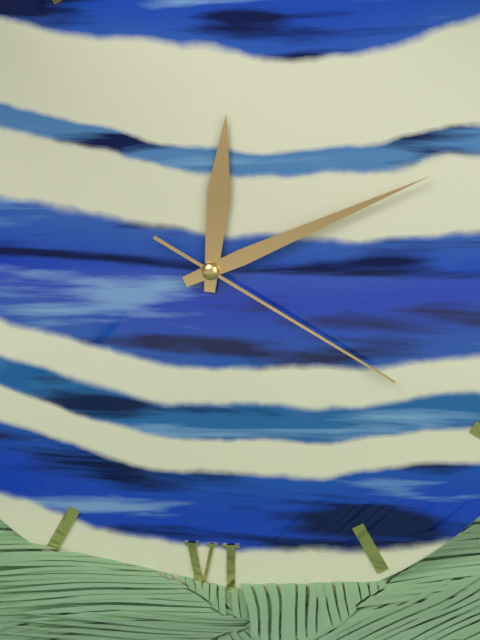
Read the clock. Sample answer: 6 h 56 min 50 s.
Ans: 12 h 11 min 20 s
